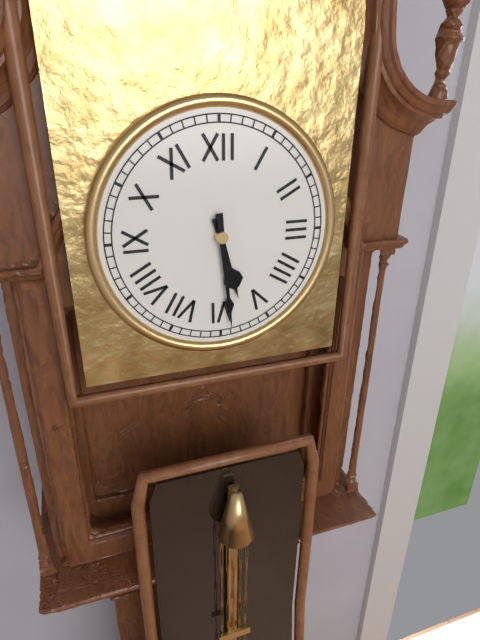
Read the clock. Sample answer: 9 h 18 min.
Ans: 5 h 29 min
